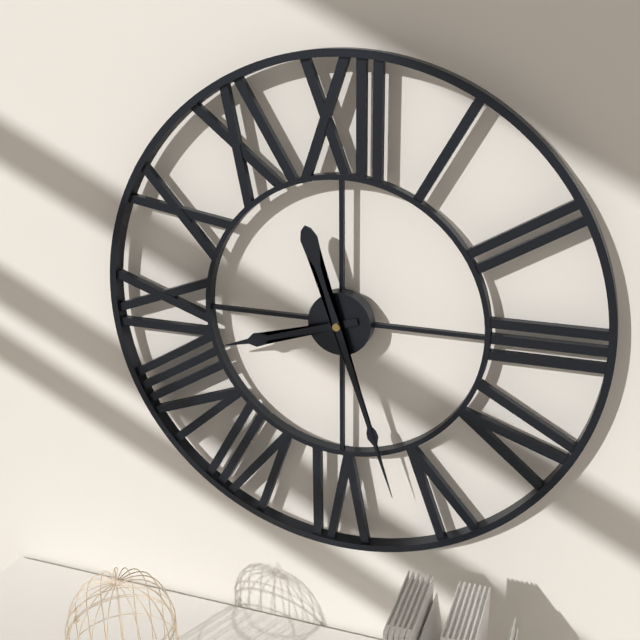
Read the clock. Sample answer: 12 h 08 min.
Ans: 8 h 27 min
